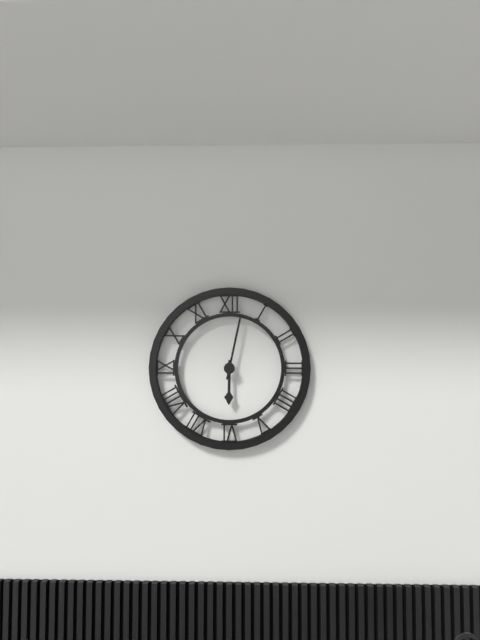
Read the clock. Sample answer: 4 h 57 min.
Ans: 6 h 02 min
